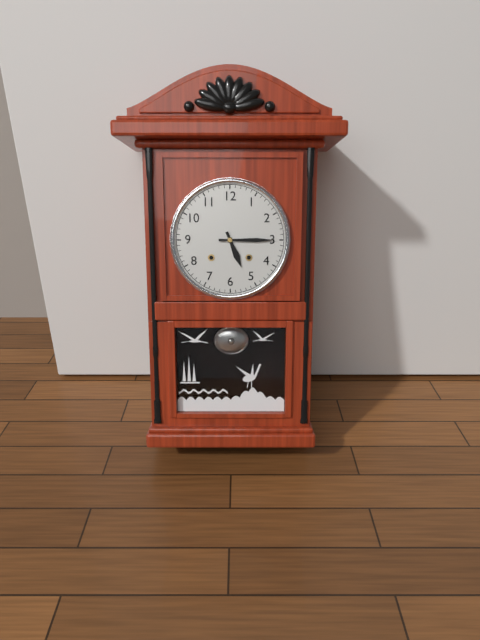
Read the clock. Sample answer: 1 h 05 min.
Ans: 5 h 15 min
